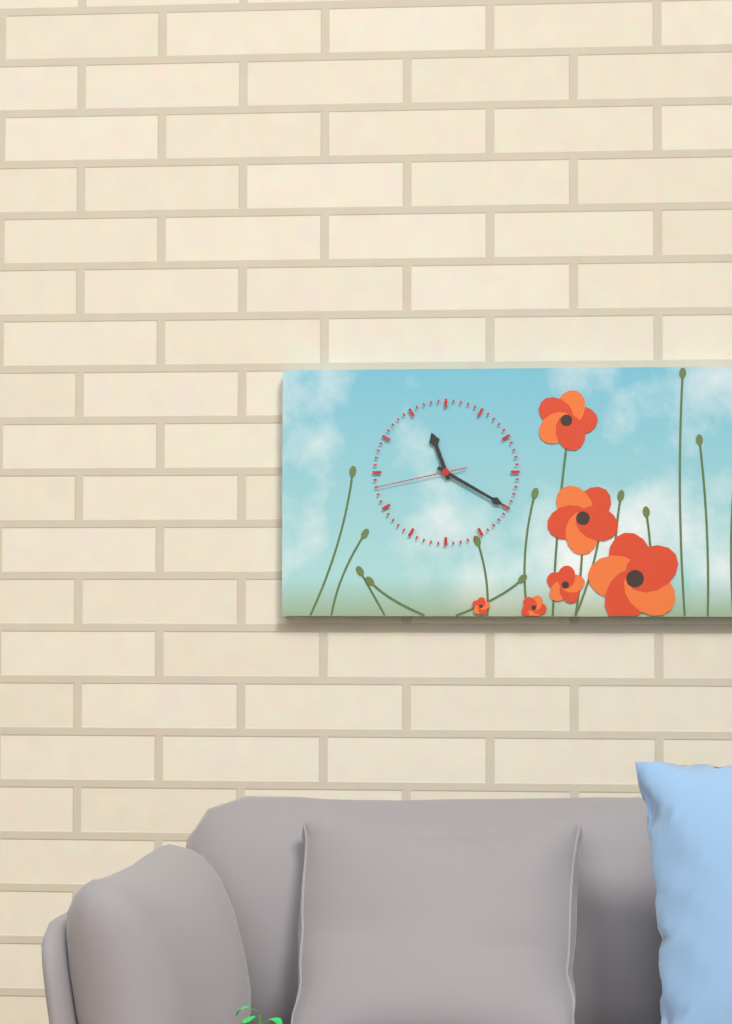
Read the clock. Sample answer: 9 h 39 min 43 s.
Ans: 11 h 20 min 43 s
